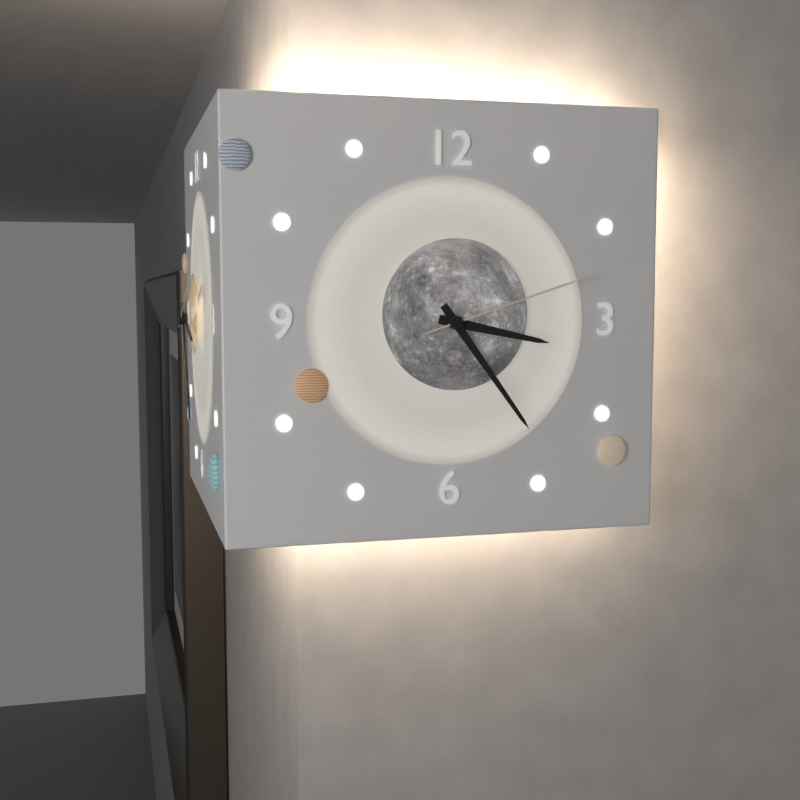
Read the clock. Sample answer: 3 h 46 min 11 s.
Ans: 3 h 24 min 12 s
